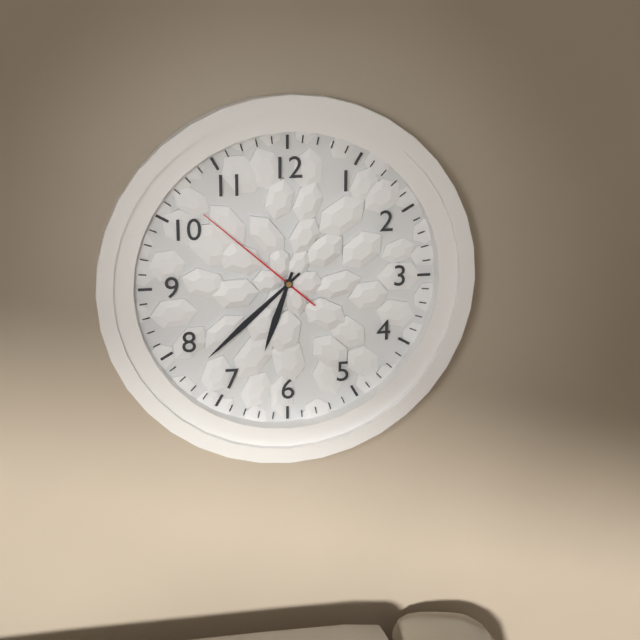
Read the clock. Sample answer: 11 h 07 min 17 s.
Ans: 6 h 38 min 52 s
